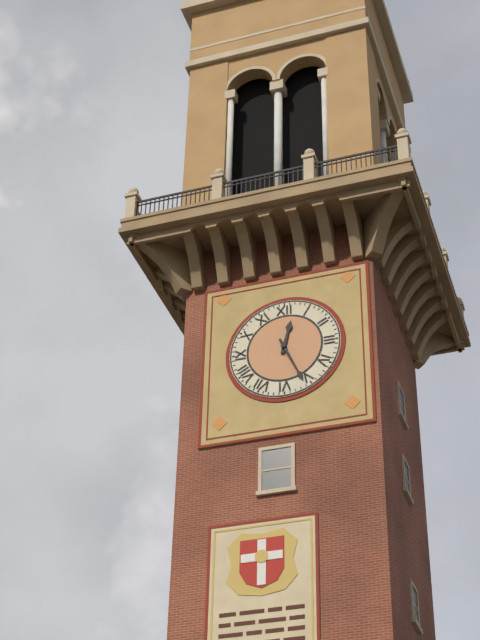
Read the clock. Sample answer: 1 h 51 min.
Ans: 12 h 26 min
